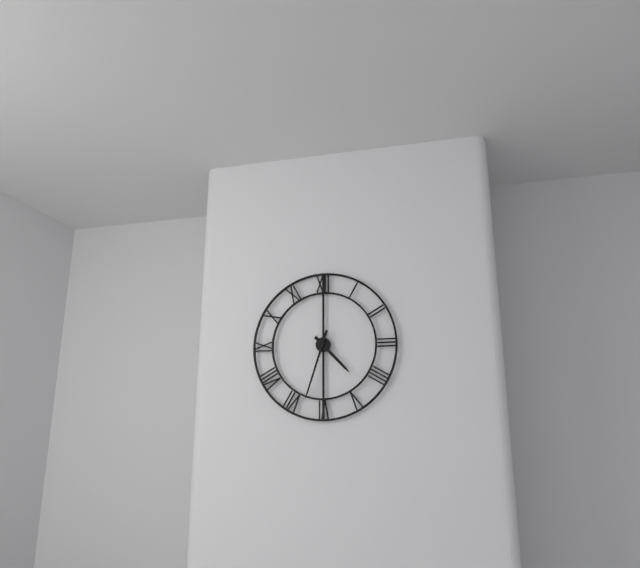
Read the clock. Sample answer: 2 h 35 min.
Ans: 4 h 33 min
